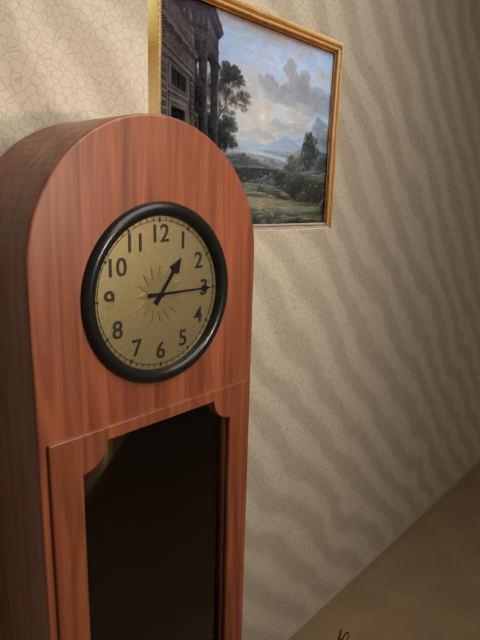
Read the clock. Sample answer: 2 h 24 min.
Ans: 1 h 15 min
